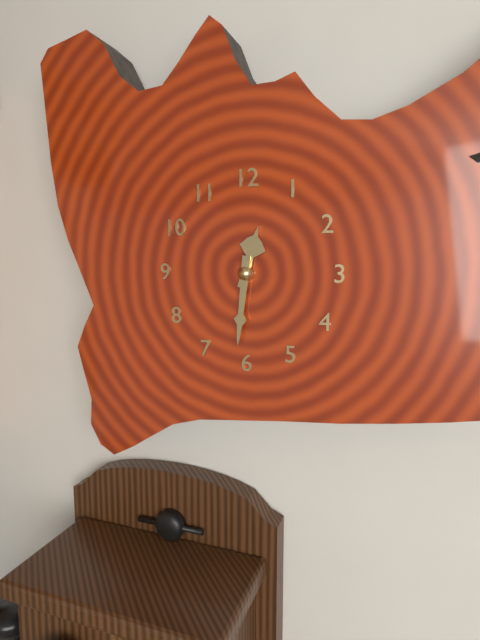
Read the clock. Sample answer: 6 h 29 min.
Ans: 12 h 31 min
